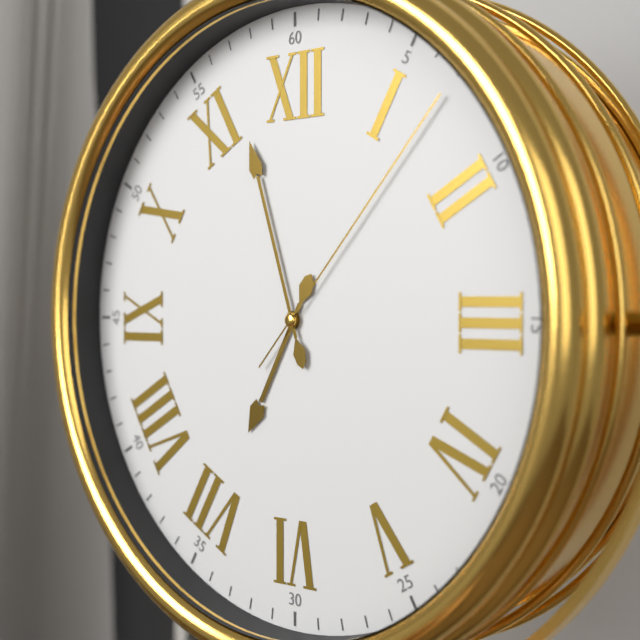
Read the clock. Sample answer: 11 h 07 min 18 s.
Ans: 6 h 57 min 07 s
